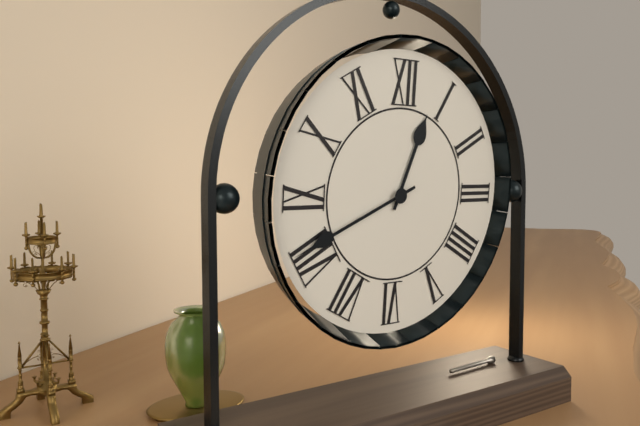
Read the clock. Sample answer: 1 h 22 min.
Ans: 12 h 41 min
